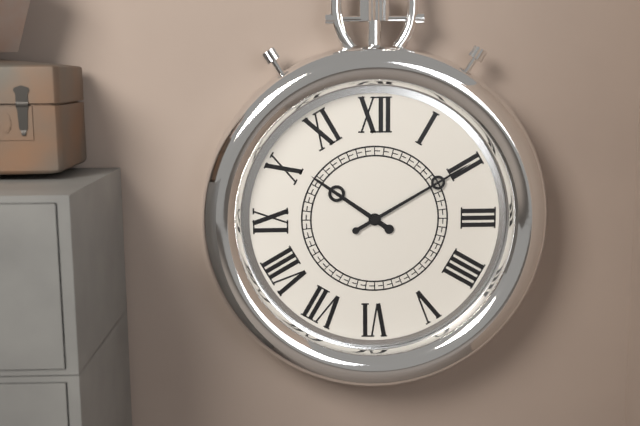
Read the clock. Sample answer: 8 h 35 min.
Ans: 10 h 10 min
